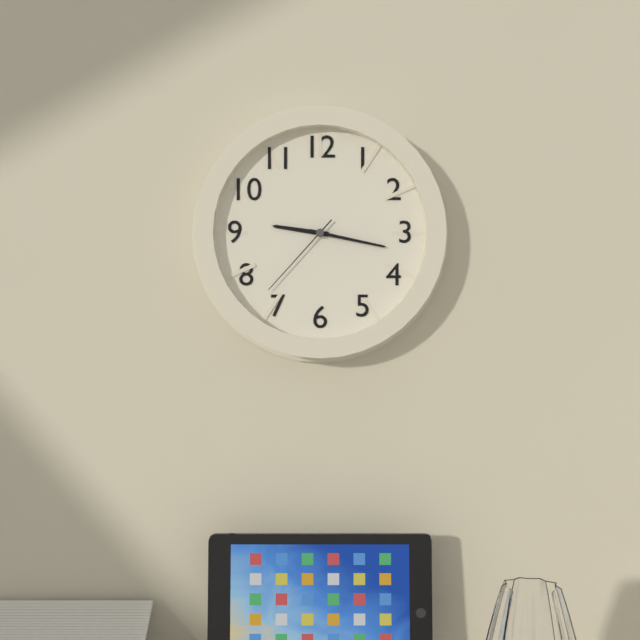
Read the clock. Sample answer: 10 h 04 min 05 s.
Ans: 9 h 17 min 37 s
